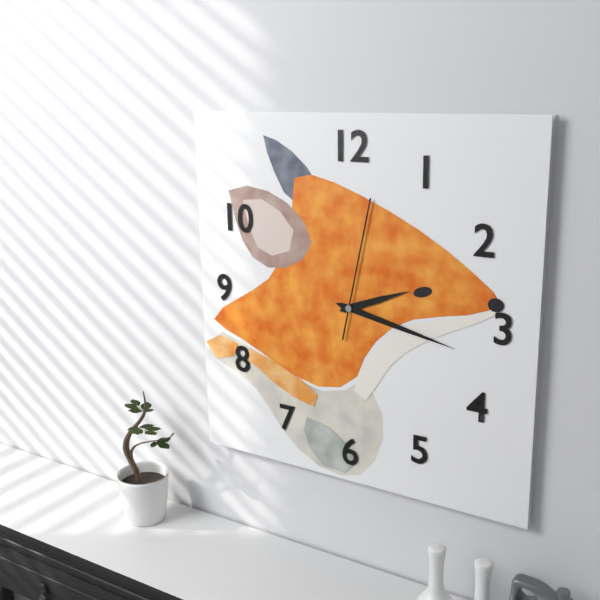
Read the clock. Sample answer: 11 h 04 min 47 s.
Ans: 2 h 17 min 02 s
